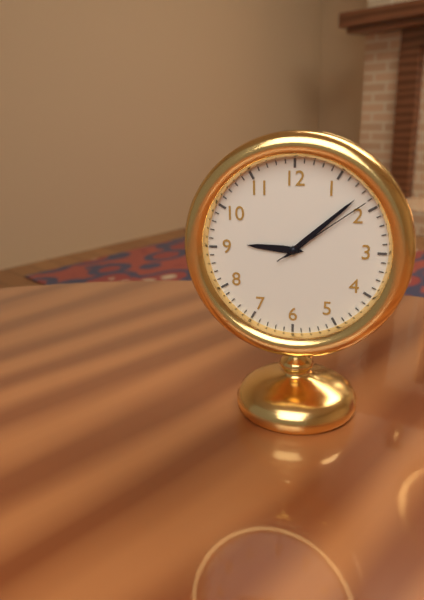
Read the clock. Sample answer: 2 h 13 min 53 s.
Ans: 9 h 08 min 09 s
